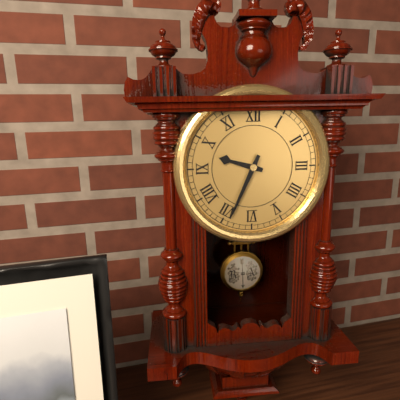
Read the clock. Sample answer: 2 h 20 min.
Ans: 9 h 34 min
